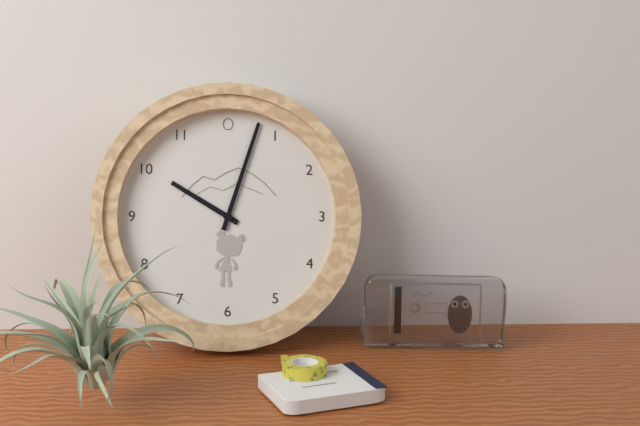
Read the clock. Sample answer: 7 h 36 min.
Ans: 10 h 03 min
